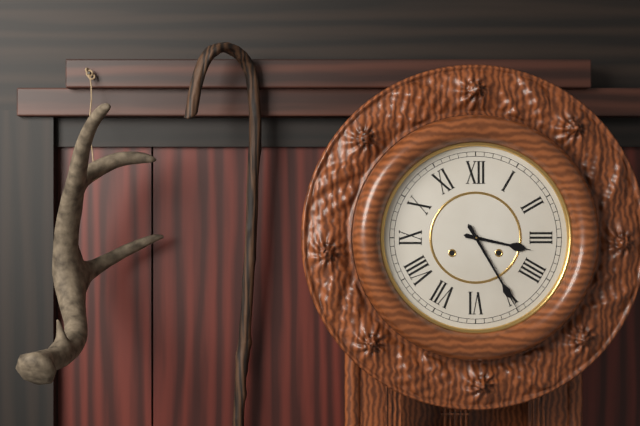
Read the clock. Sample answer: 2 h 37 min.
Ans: 3 h 25 min
